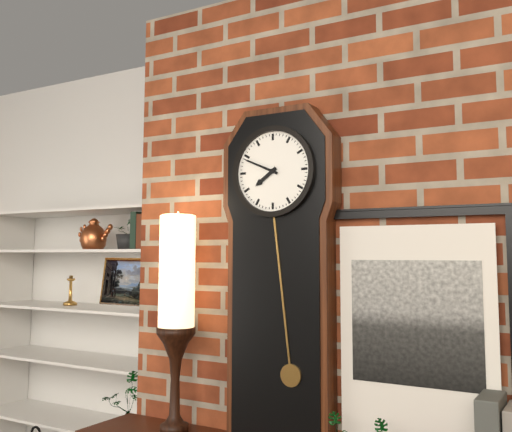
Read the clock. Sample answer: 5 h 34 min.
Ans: 7 h 49 min
